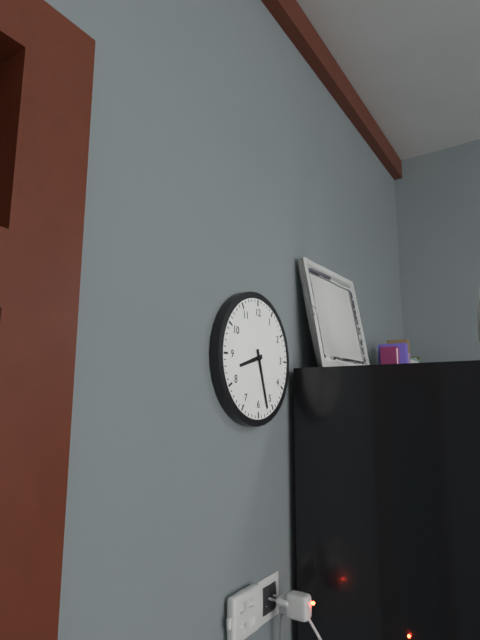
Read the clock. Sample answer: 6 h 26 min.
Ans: 8 h 27 min
